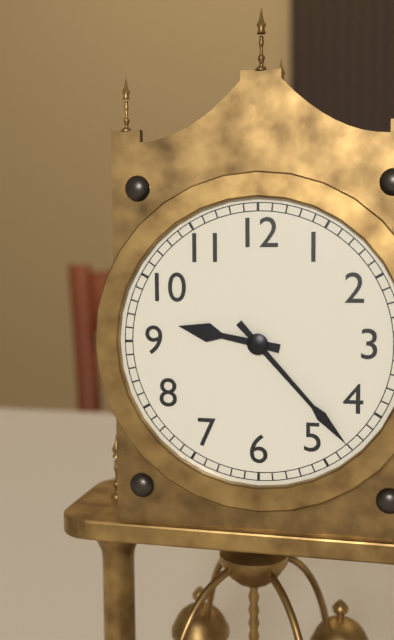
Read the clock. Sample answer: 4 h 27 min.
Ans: 9 h 23 min
